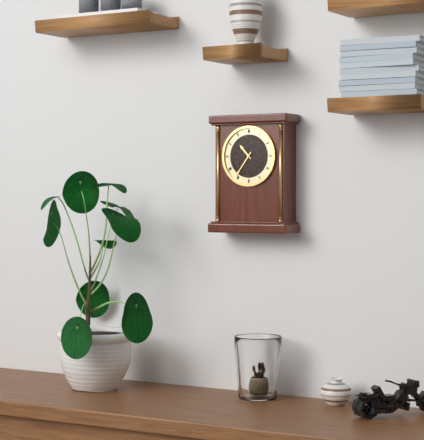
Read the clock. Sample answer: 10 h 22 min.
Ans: 10 h 36 min
